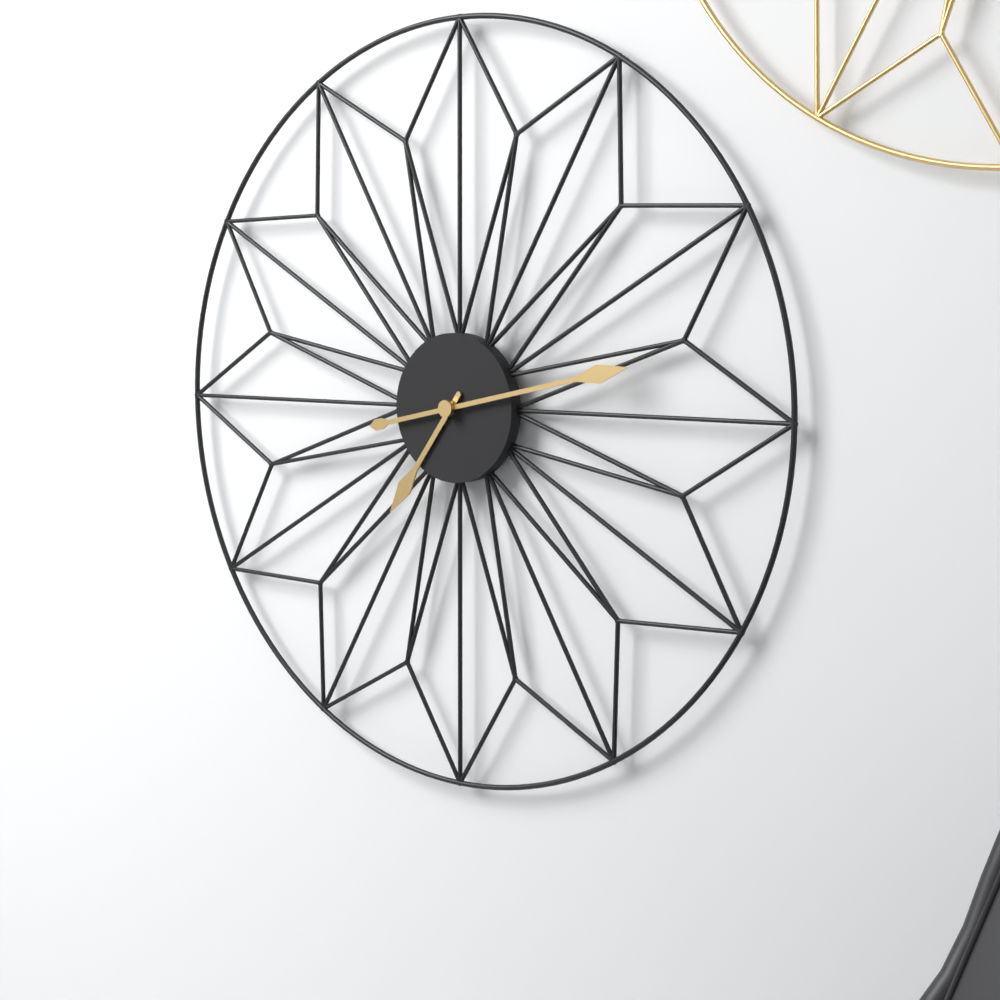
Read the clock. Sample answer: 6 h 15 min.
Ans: 7 h 13 min
